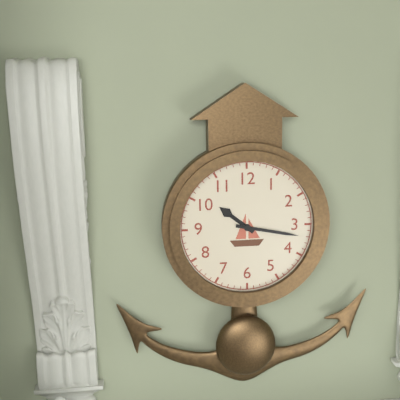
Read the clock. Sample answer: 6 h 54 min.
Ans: 10 h 17 min
